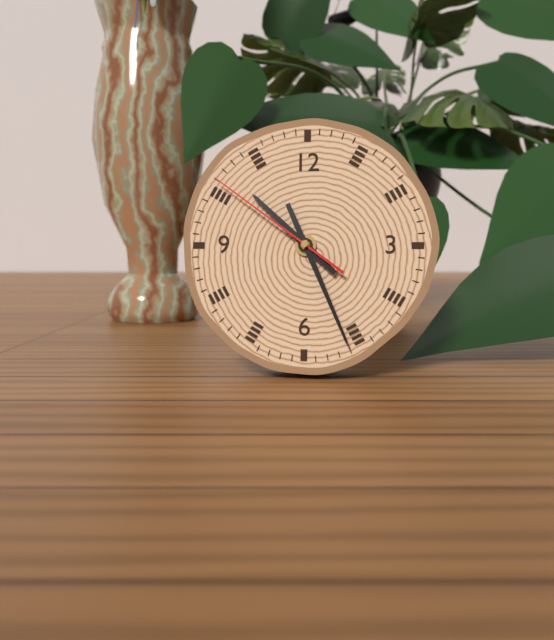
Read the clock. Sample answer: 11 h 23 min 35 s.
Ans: 10 h 26 min 51 s
